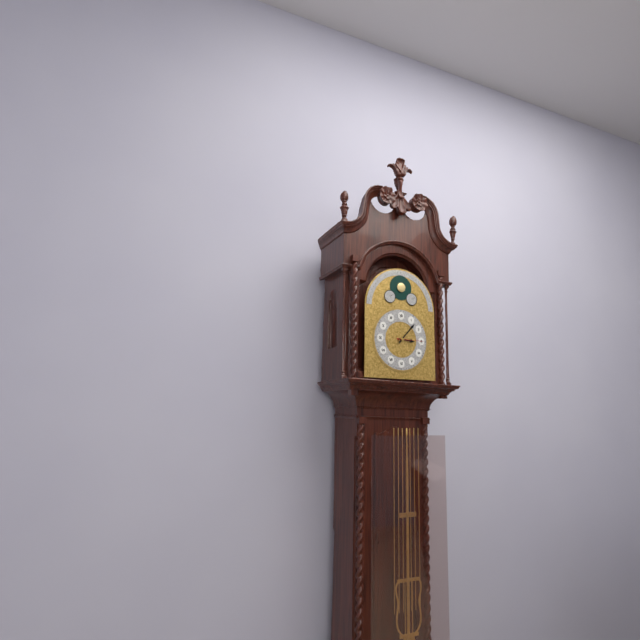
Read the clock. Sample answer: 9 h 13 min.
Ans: 3 h 07 min
